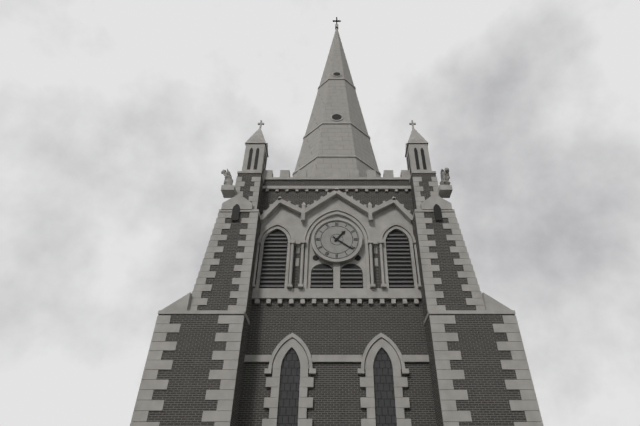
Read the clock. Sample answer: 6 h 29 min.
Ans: 1 h 21 min
